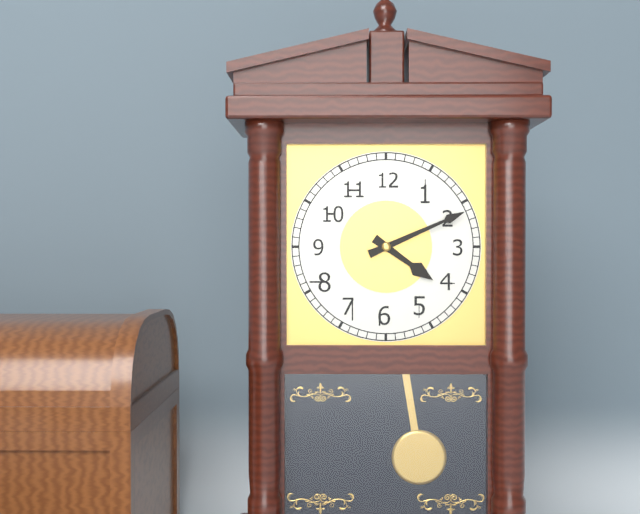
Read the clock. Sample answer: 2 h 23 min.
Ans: 4 h 11 min
